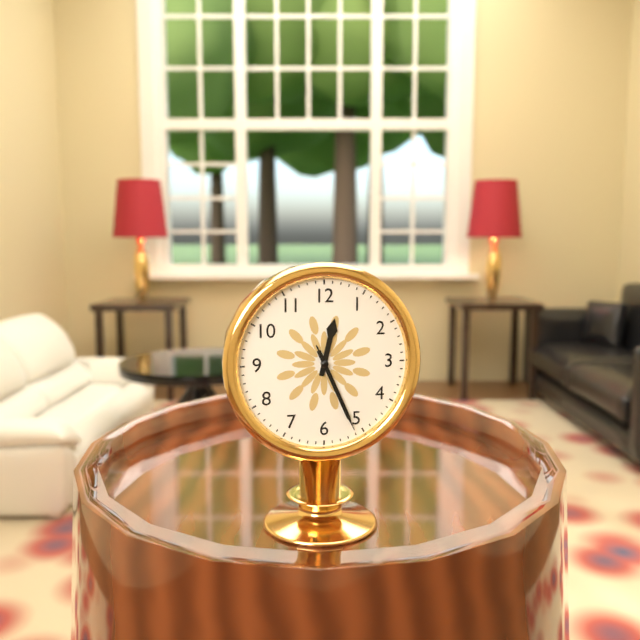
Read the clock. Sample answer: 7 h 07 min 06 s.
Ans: 12 h 26 min 26 s
